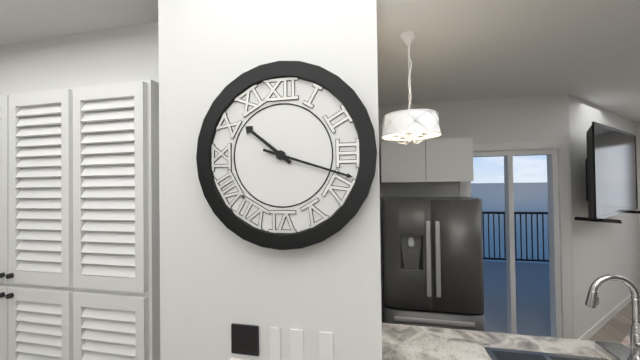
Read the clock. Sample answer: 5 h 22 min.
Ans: 10 h 18 min
